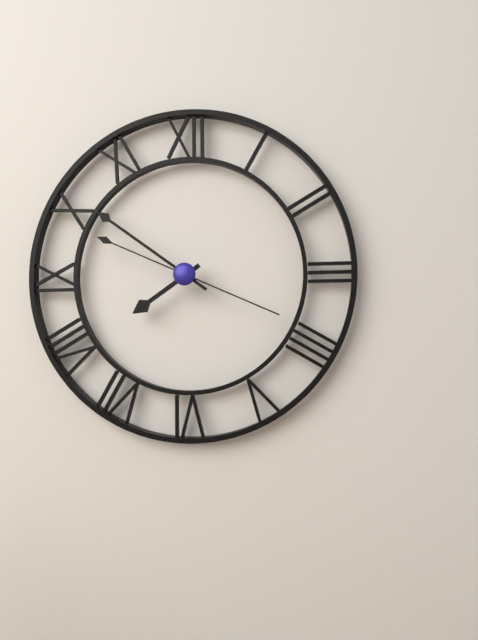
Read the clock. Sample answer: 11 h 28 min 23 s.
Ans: 7 h 51 min 19 s
